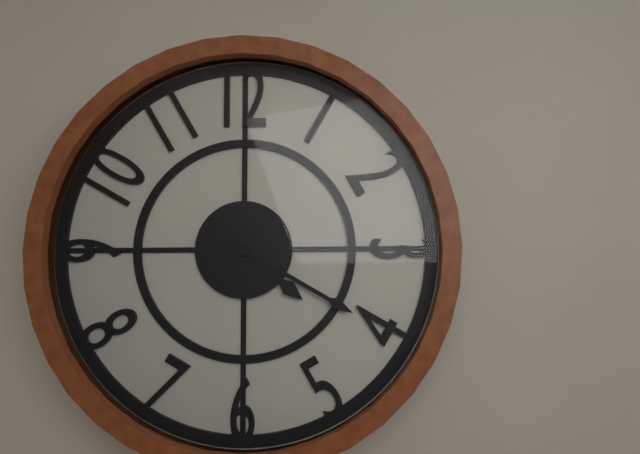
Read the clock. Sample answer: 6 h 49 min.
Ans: 4 h 20 min
